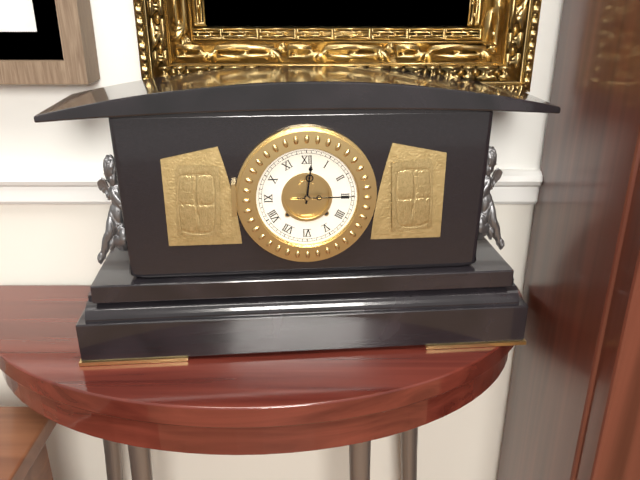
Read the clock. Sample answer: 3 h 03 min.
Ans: 12 h 15 min
